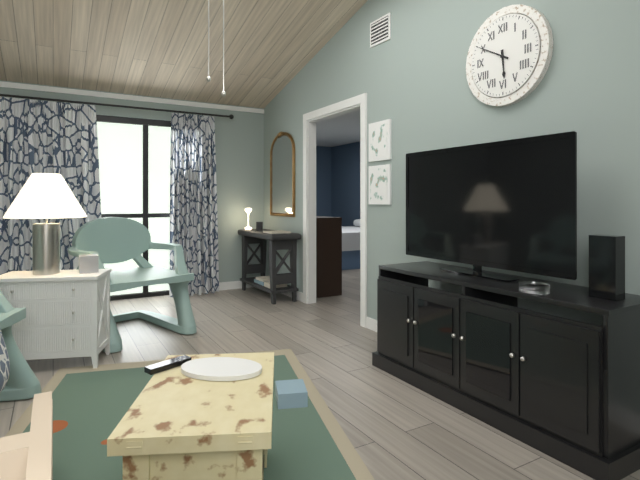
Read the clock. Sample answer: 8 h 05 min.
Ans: 5 h 50 min
